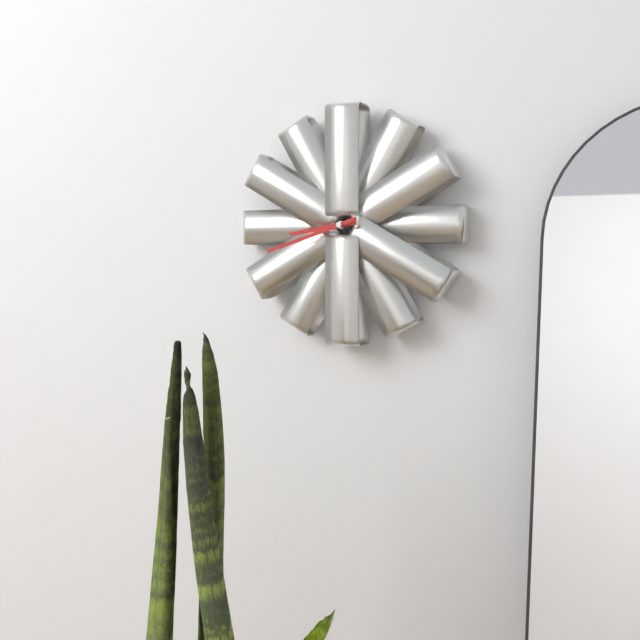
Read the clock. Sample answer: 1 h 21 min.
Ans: 8 h 42 min
